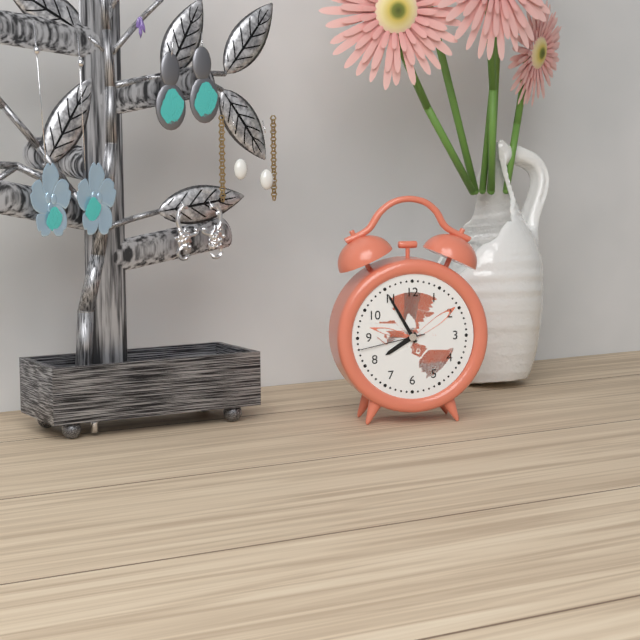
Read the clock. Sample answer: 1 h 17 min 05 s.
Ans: 7 h 55 min 43 s
